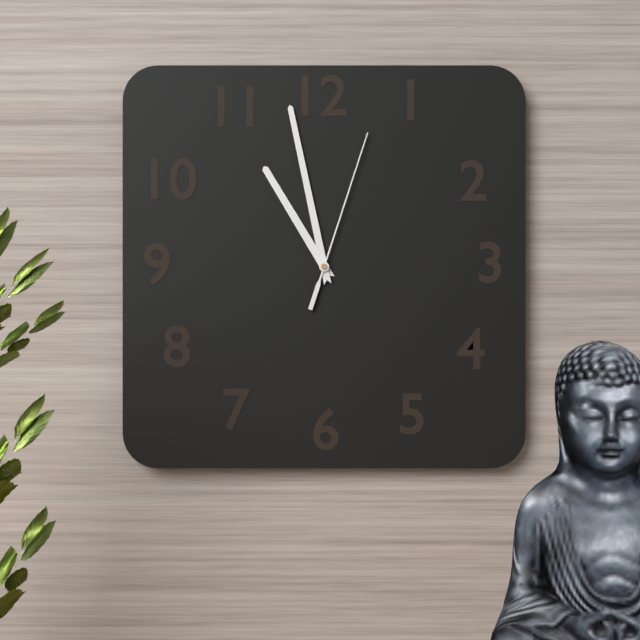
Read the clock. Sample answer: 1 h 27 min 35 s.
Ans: 10 h 58 min 03 s
